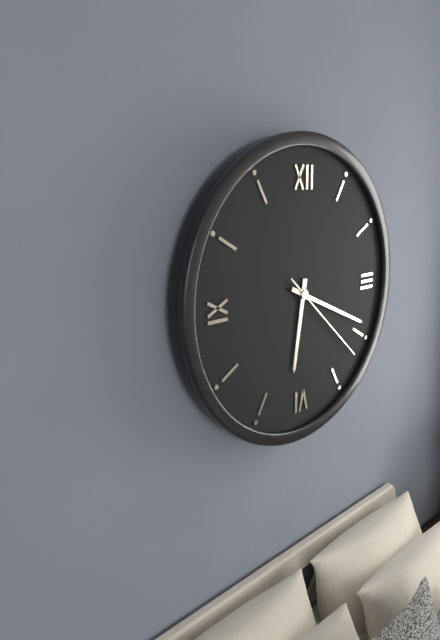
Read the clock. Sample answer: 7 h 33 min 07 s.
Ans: 6 h 19 min 22 s
